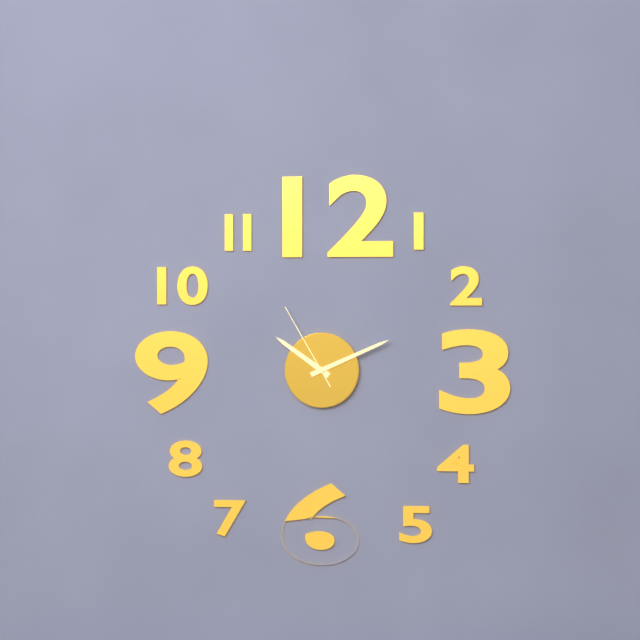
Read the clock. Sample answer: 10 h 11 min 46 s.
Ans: 10 h 11 min 55 s
